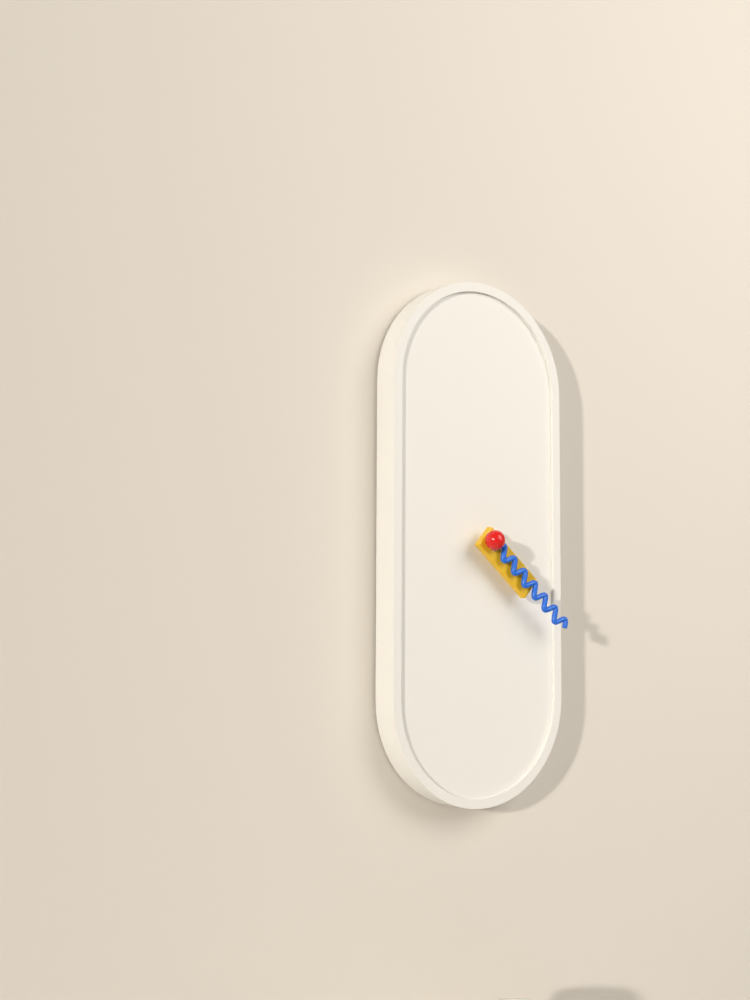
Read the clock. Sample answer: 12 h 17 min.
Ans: 4 h 22 min
